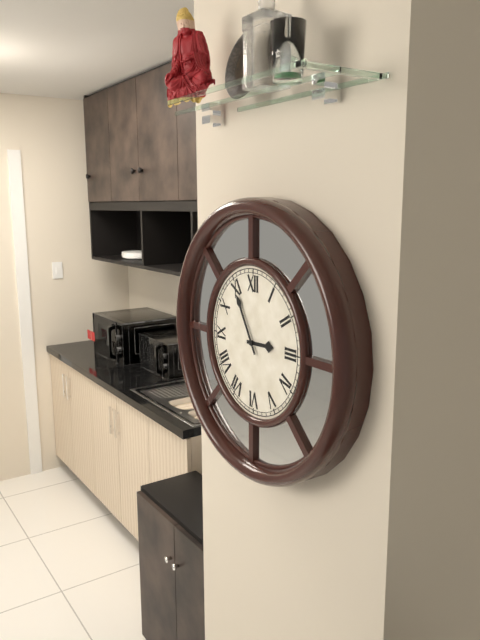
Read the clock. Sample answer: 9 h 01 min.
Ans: 2 h 55 min
